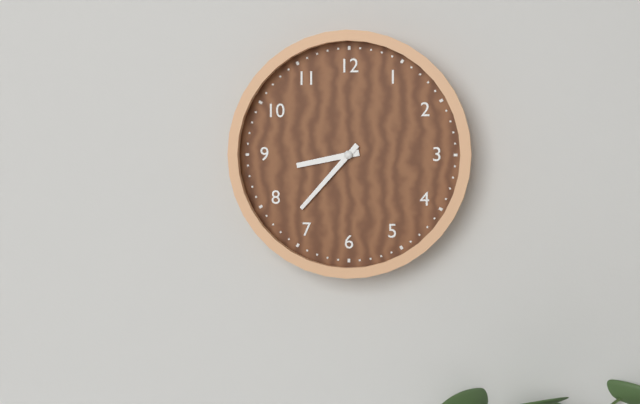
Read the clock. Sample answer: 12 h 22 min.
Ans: 8 h 37 min
